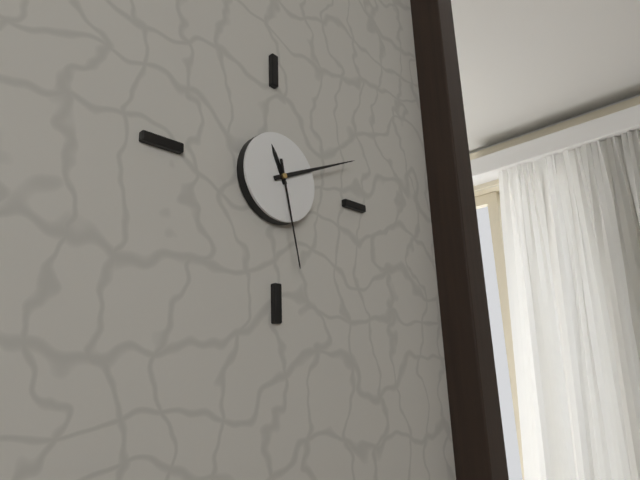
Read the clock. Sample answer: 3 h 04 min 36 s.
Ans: 11 h 11 min 28 s
